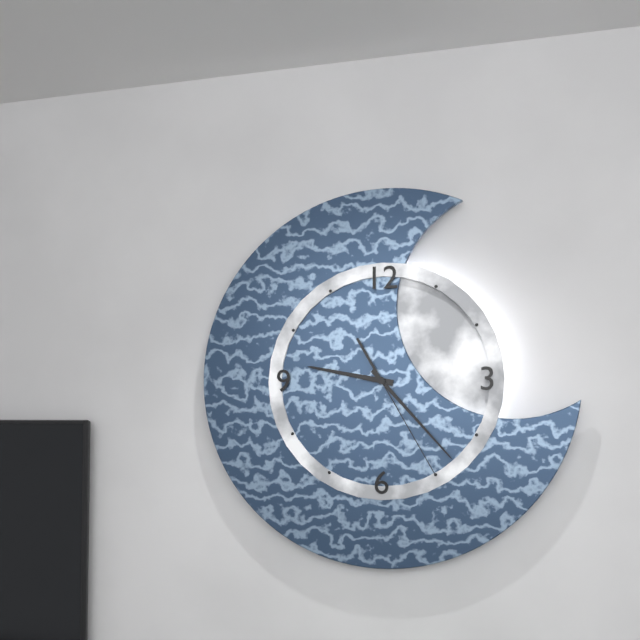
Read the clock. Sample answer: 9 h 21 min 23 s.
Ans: 9 h 23 min 25 s
